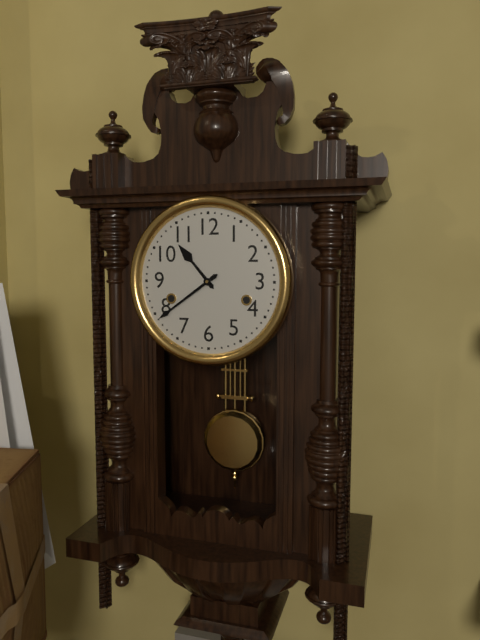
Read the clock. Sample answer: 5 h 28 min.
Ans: 10 h 39 min
